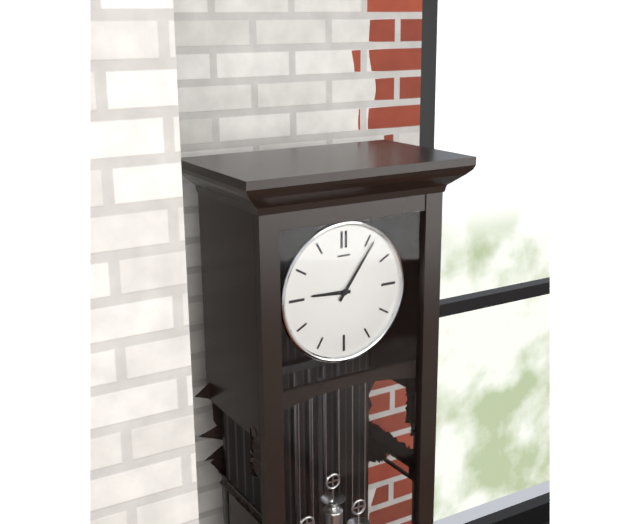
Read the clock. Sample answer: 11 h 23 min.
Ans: 9 h 06 min
